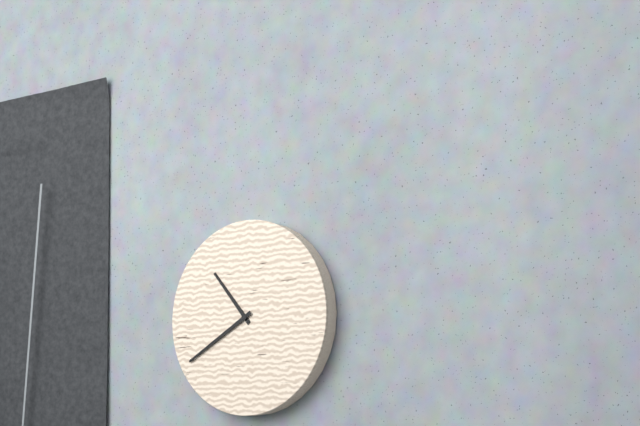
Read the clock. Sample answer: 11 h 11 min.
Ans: 10 h 40 min
